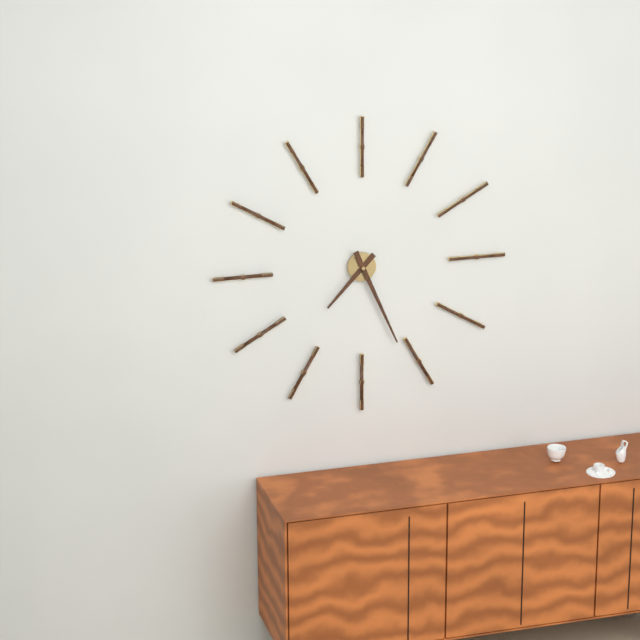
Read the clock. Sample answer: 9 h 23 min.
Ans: 7 h 26 min
